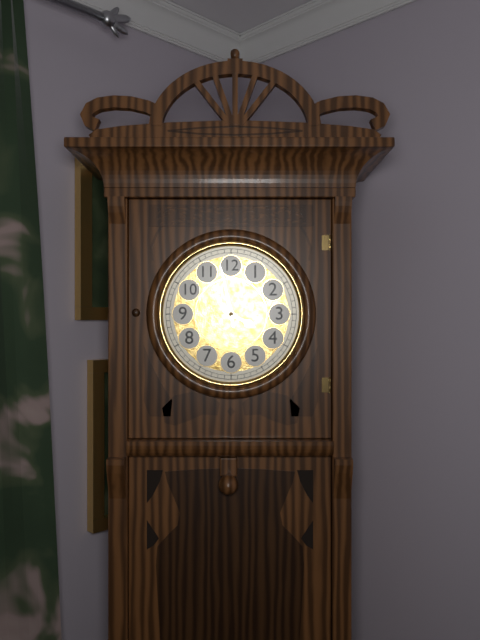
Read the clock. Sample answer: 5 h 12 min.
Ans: 3 h 58 min
